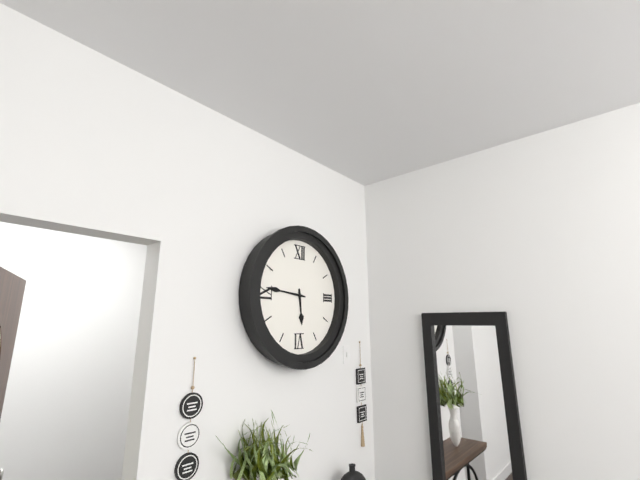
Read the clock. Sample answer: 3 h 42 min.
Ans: 5 h 46 min
